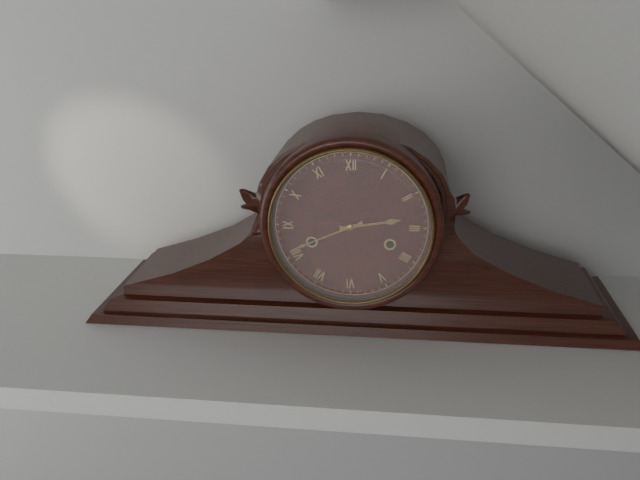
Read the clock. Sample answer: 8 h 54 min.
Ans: 2 h 41 min
